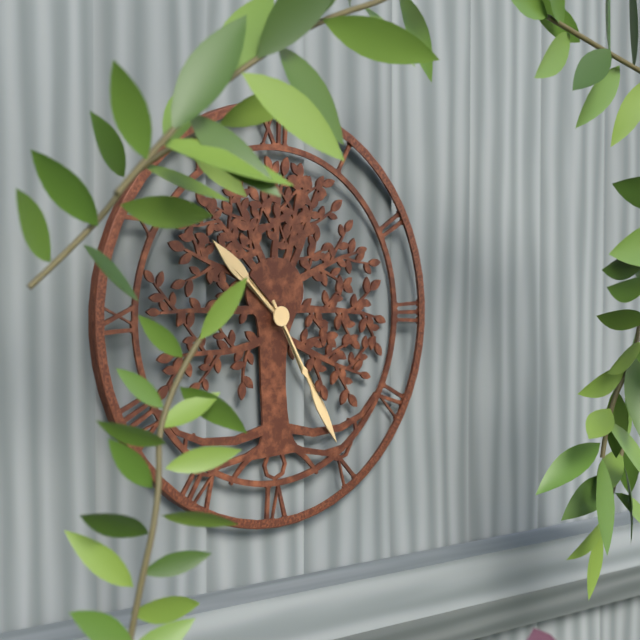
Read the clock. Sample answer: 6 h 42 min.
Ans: 10 h 25 min
